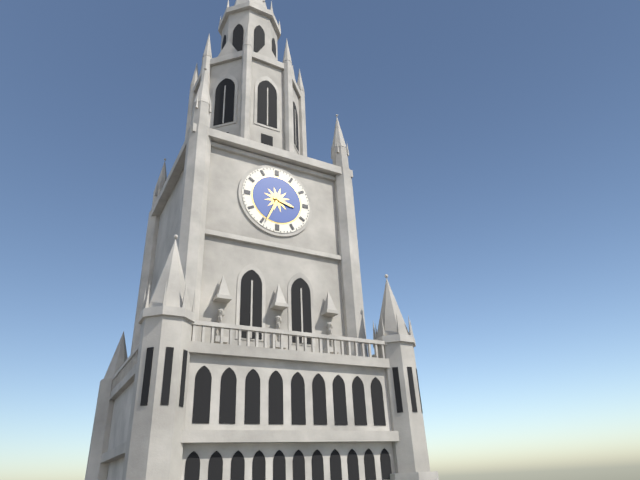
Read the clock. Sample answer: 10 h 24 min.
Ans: 3 h 34 min
